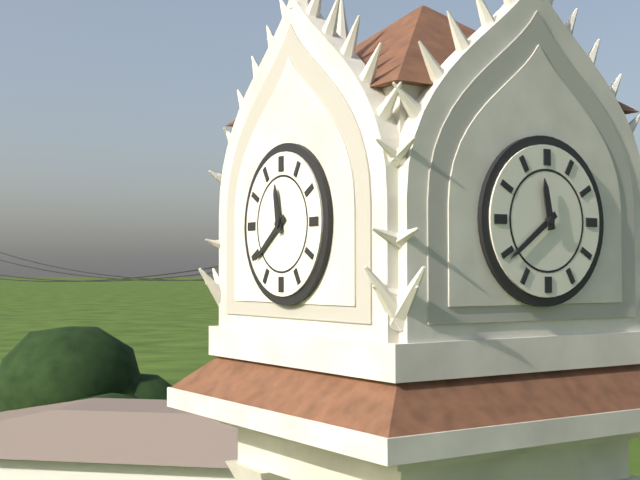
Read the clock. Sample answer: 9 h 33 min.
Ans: 11 h 39 min
